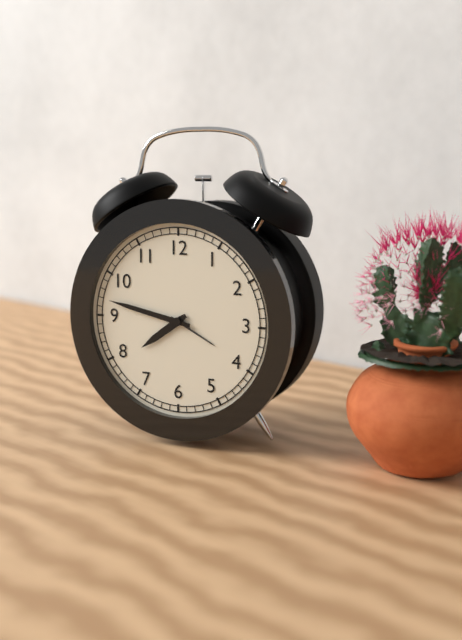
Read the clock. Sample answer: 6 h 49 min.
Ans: 7 h 47 min
